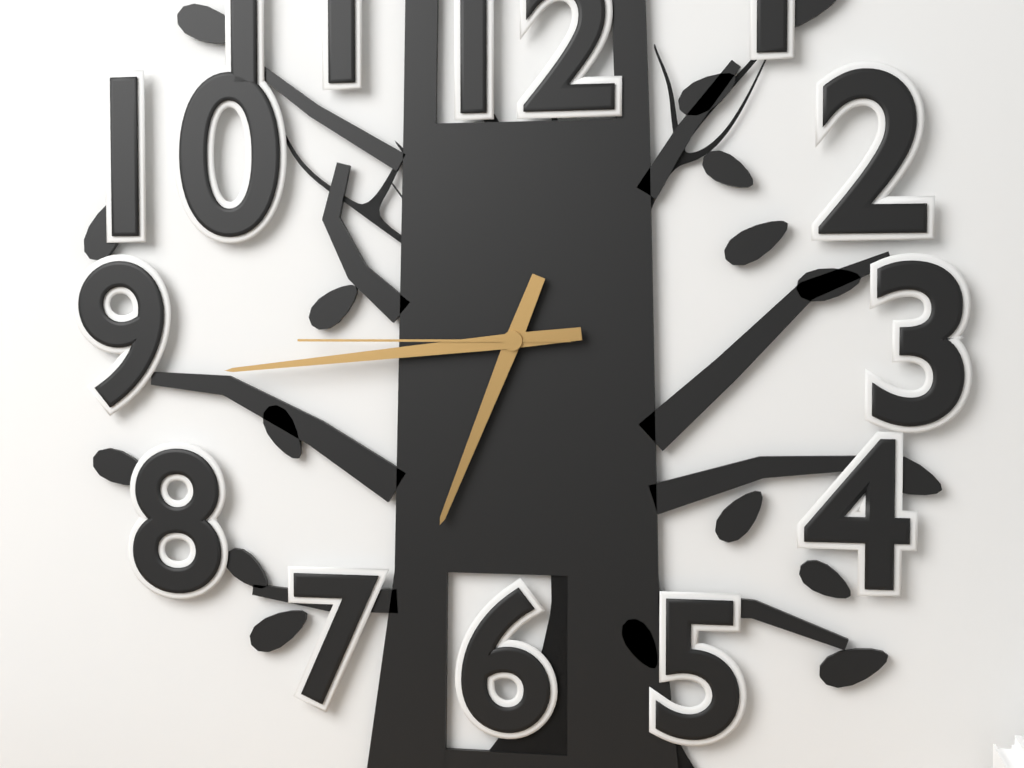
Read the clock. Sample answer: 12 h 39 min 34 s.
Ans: 6 h 44 min 45 s
